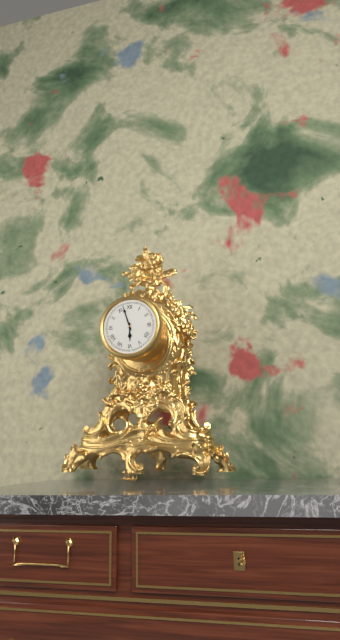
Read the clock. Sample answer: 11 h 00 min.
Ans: 5 h 57 min
